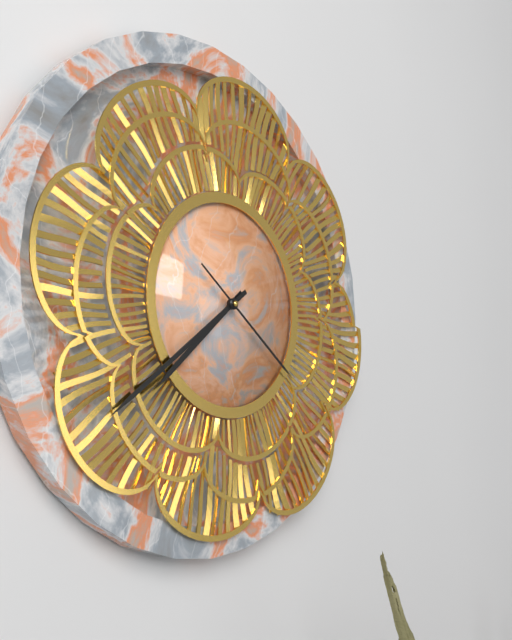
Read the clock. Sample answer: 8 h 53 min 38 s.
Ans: 7 h 39 min 21 s
